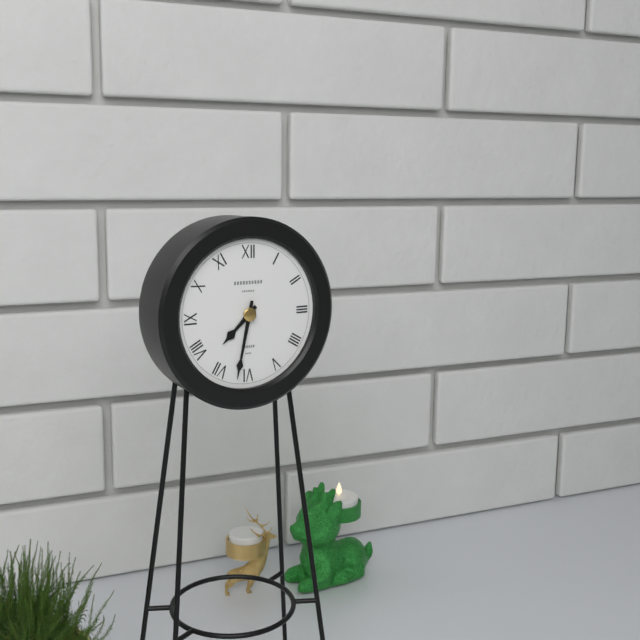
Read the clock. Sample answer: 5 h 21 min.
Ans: 7 h 32 min
